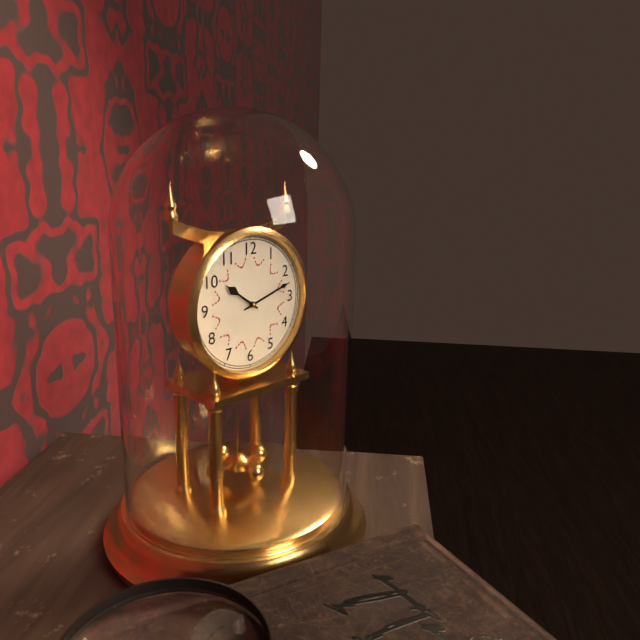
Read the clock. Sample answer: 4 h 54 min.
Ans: 10 h 12 min
